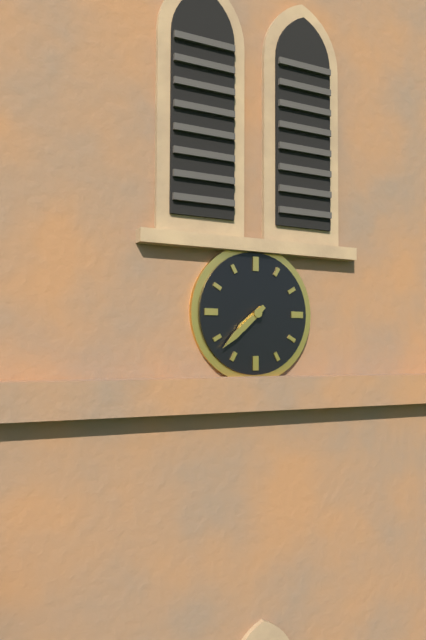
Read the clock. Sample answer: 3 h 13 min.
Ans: 7 h 38 min
